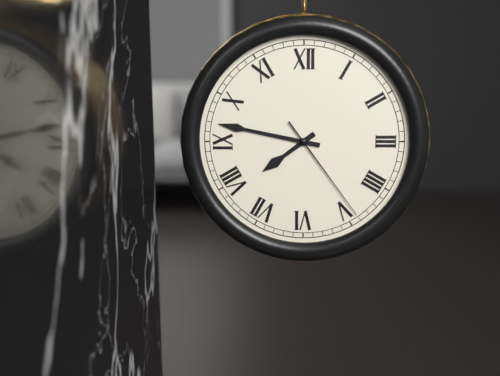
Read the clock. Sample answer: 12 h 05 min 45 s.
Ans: 7 h 47 min 24 s
